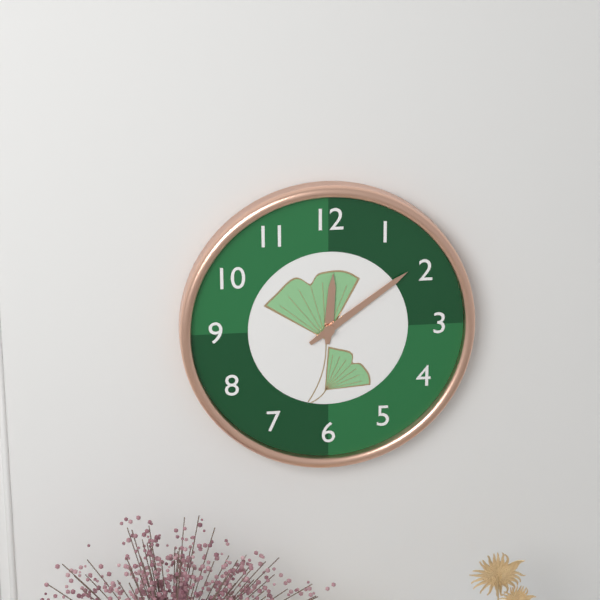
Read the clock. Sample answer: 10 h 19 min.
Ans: 12 h 09 min
